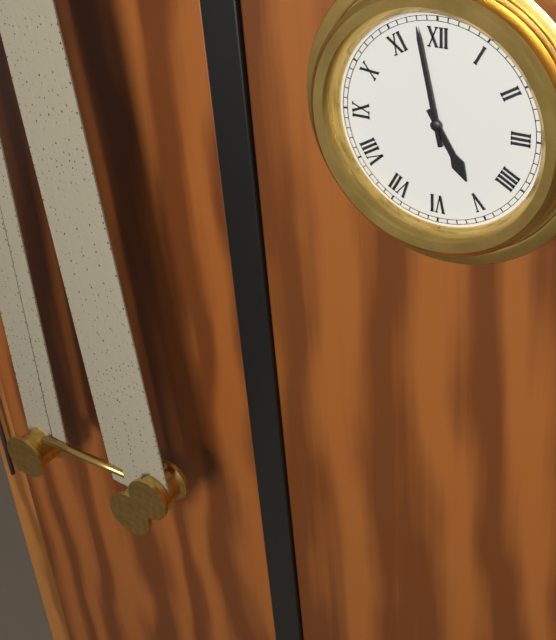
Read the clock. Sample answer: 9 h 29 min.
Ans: 4 h 58 min
